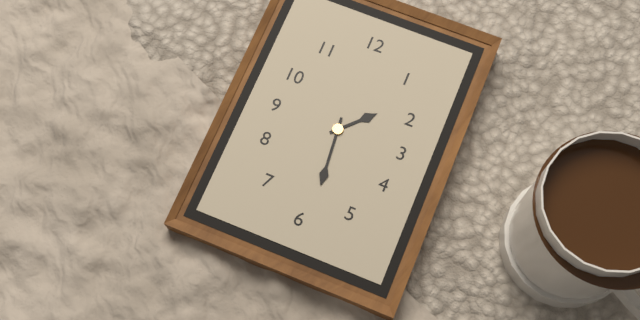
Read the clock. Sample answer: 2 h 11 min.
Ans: 1 h 29 min
